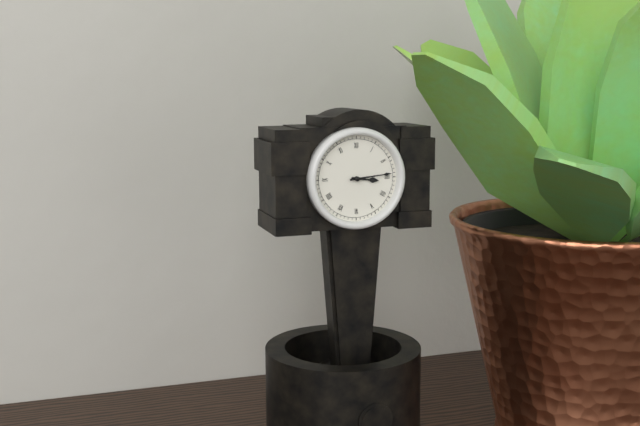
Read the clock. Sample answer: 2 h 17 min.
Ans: 3 h 14 min
